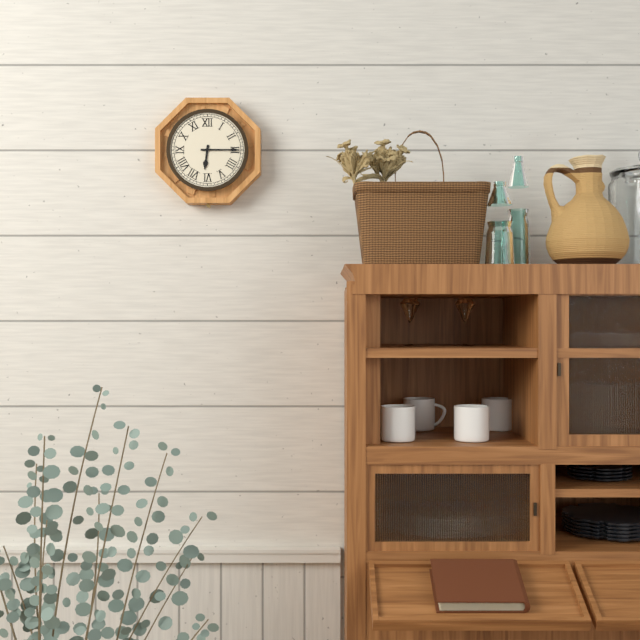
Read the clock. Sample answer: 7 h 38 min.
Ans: 6 h 15 min
